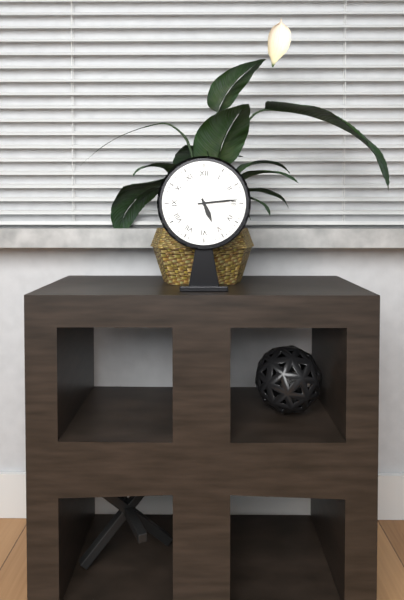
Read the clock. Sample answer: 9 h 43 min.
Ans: 5 h 14 min
